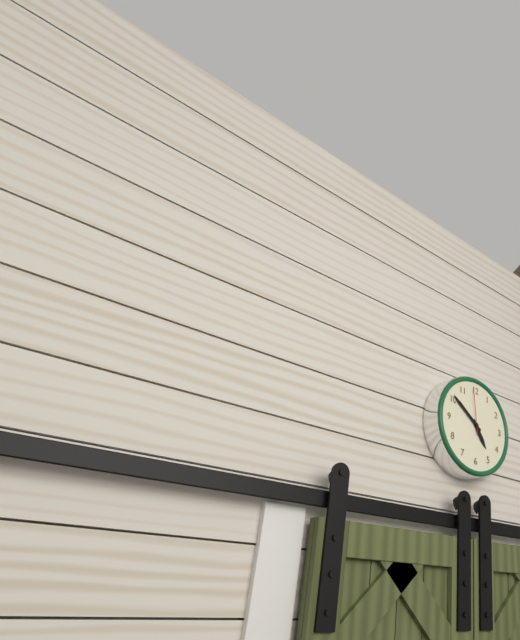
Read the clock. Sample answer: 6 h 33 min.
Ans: 4 h 51 min
